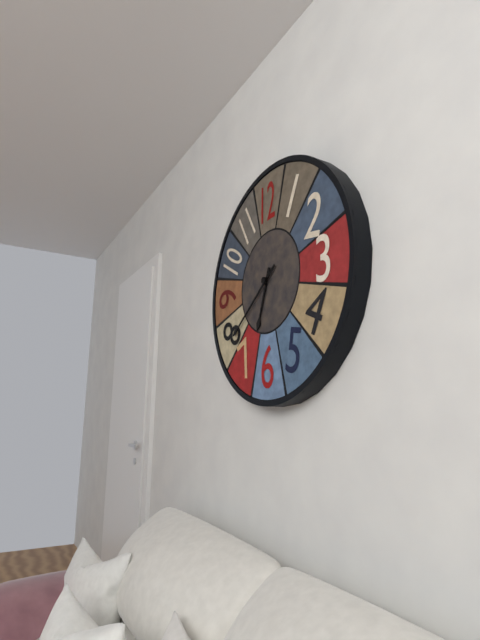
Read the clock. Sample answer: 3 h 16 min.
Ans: 6 h 39 min
